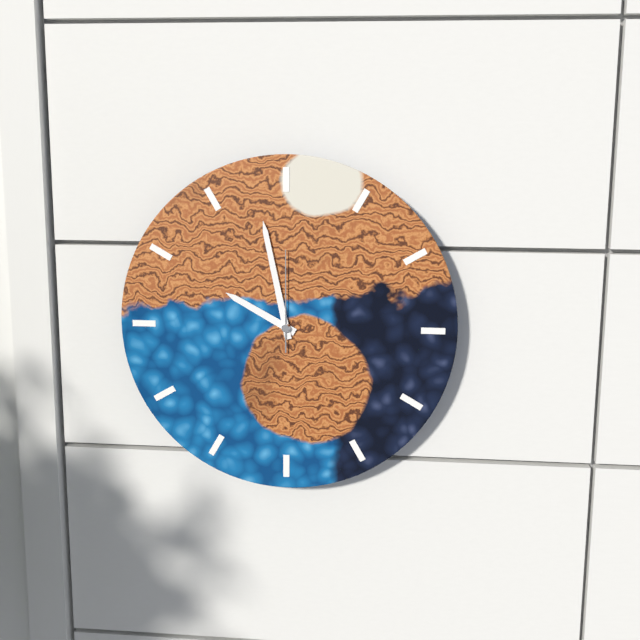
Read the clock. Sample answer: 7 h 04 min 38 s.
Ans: 9 h 58 min 00 s
